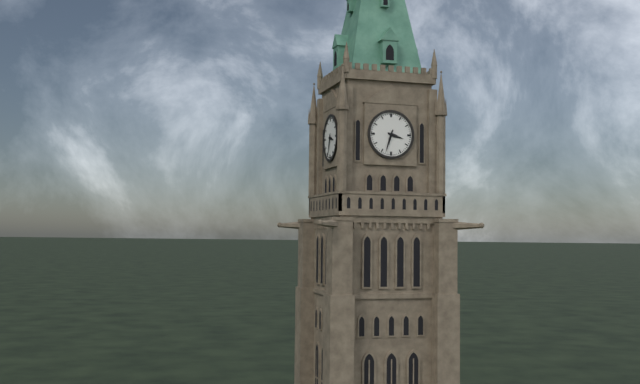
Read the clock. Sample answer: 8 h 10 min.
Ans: 3 h 33 min
